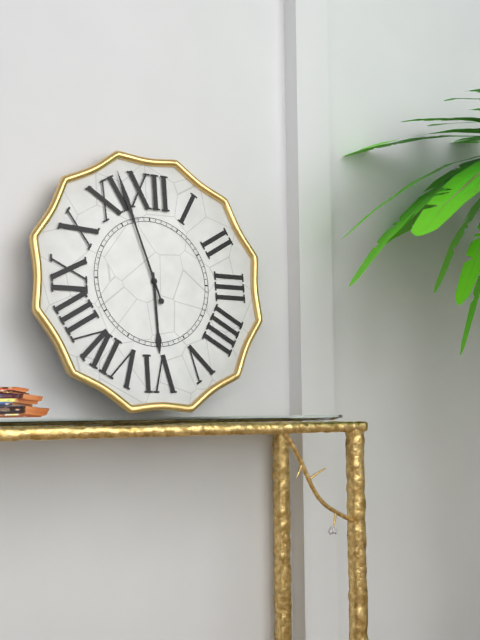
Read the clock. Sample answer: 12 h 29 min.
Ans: 5 h 57 min
